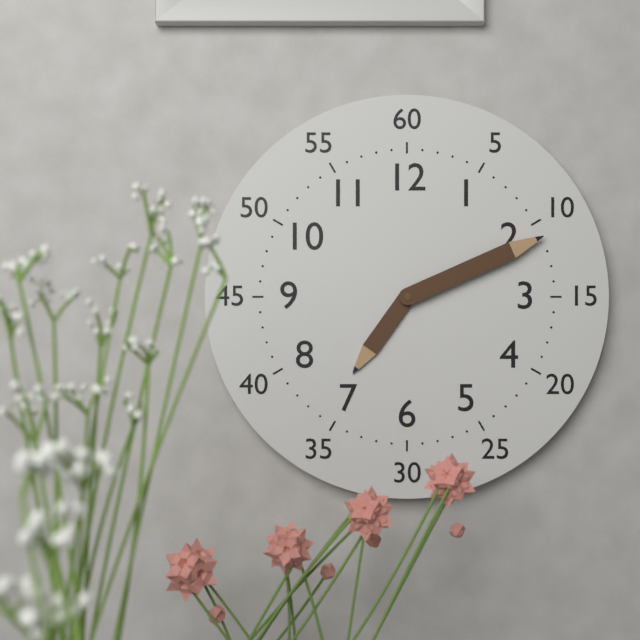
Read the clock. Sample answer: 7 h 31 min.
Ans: 7 h 11 min
